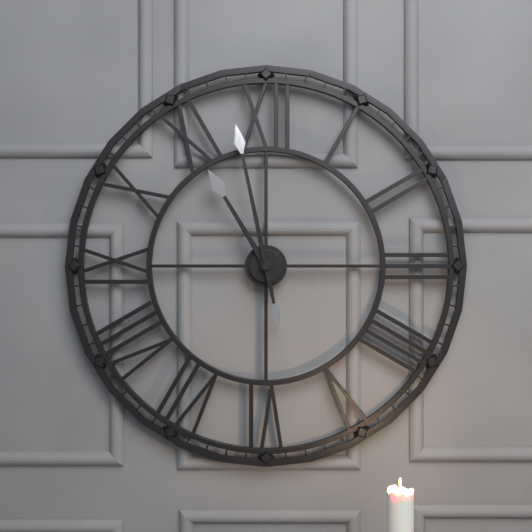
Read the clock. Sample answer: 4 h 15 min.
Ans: 10 h 58 min
